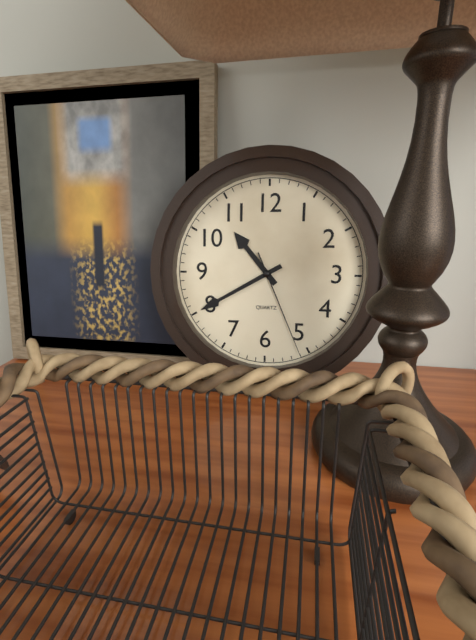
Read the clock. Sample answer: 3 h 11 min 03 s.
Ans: 10 h 40 min 26 s
